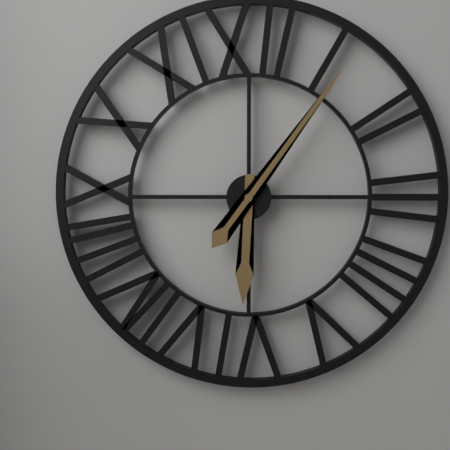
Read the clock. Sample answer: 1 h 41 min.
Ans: 6 h 06 min
